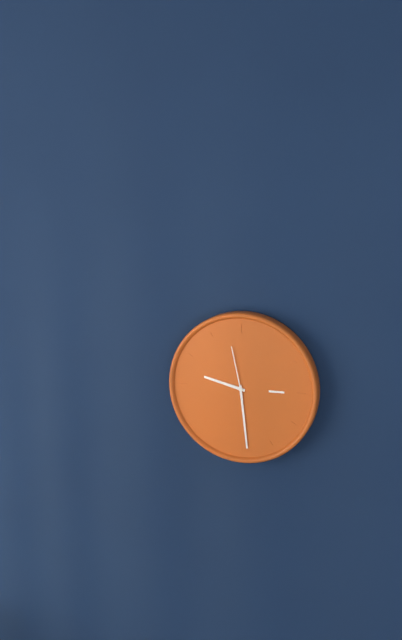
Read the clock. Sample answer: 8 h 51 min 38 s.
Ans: 9 h 29 min 58 s
